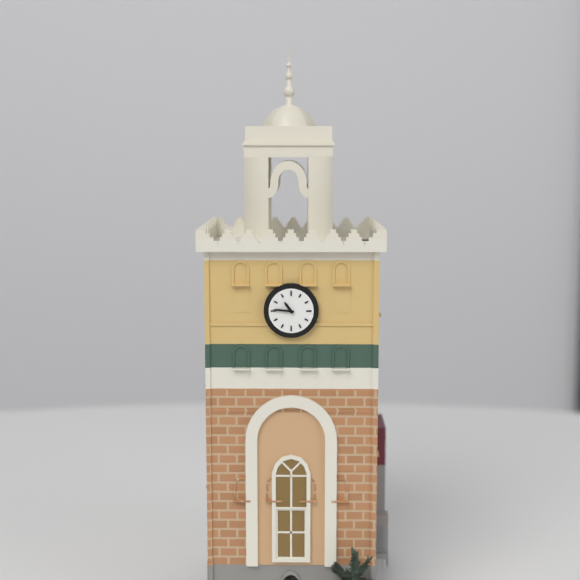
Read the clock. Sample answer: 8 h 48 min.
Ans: 10 h 46 min
